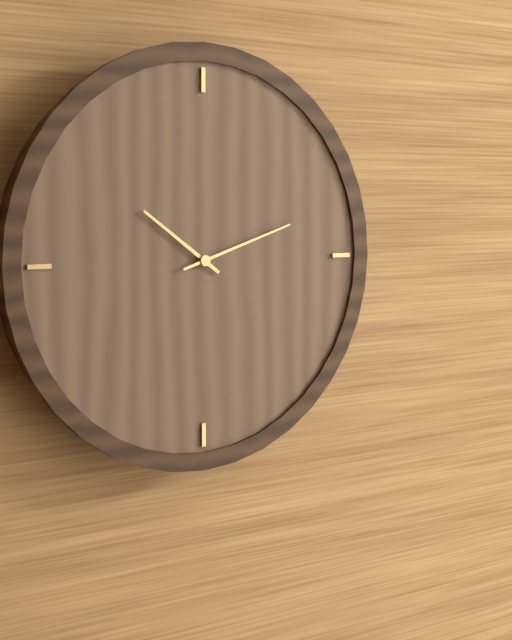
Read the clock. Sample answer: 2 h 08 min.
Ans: 10 h 12 min
